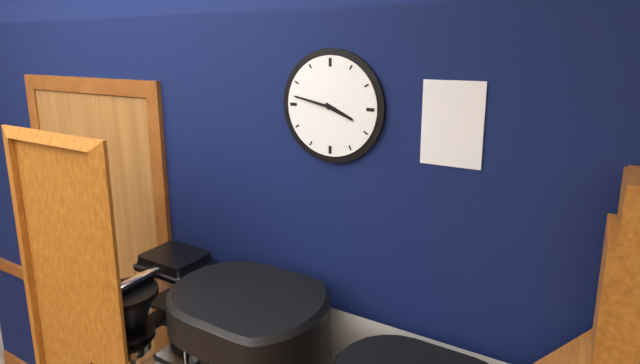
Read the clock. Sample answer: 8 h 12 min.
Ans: 3 h 47 min
